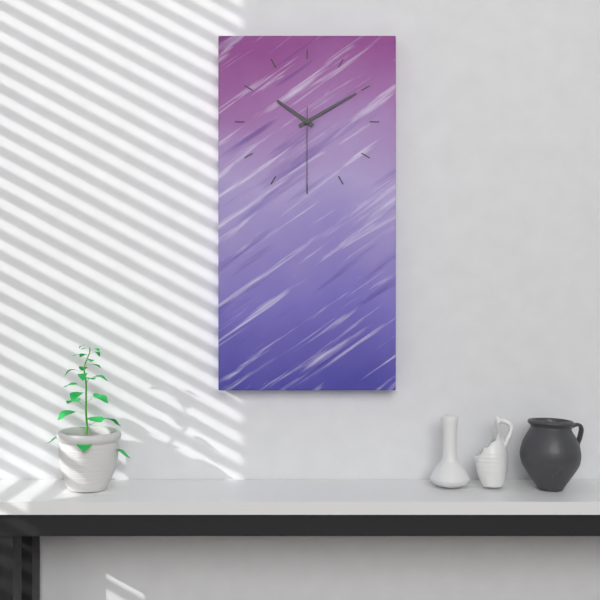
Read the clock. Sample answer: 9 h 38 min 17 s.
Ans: 10 h 10 min 30 s
